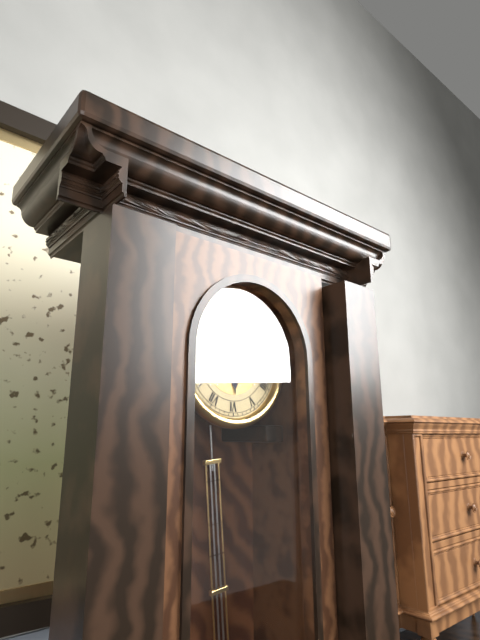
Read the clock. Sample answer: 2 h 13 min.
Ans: 5 h 54 min
